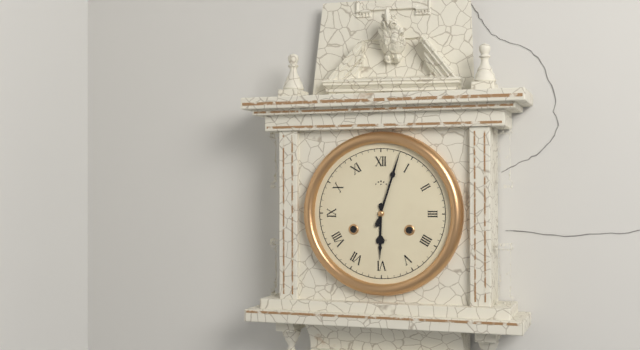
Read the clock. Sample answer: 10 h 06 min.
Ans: 6 h 03 min
